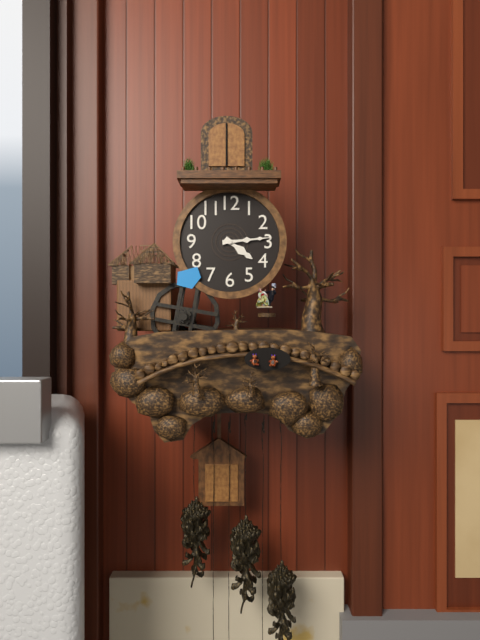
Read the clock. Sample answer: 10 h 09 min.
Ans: 4 h 14 min
